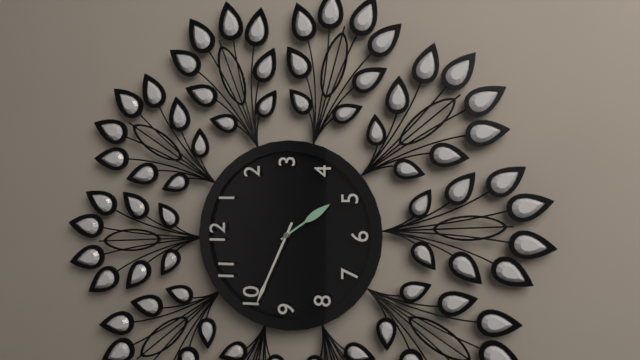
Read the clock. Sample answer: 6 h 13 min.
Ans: 4 h 49 min
